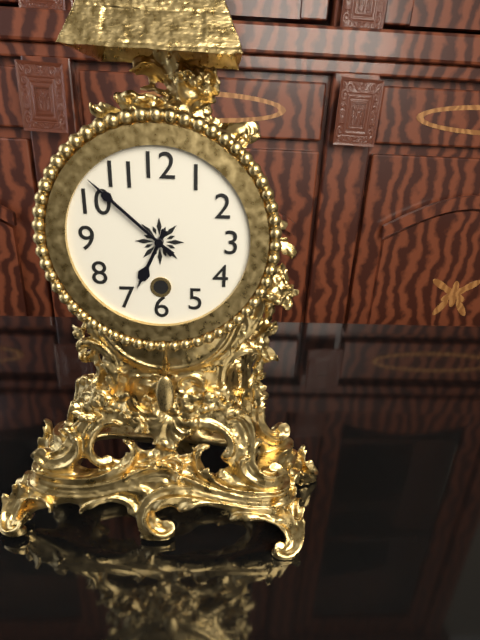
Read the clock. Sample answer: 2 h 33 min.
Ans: 6 h 52 min
